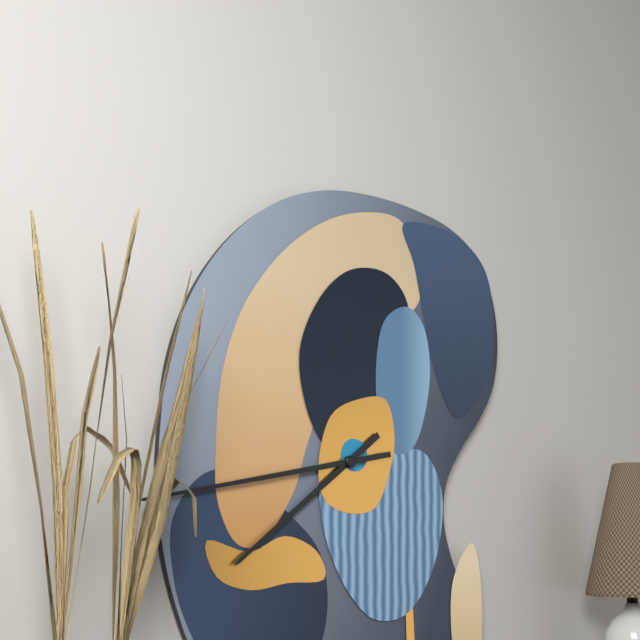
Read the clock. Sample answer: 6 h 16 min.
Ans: 7 h 43 min
